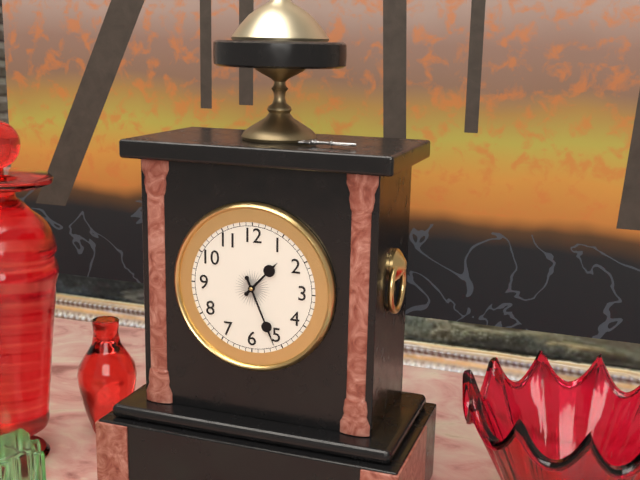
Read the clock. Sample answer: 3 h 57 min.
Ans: 1 h 26 min
